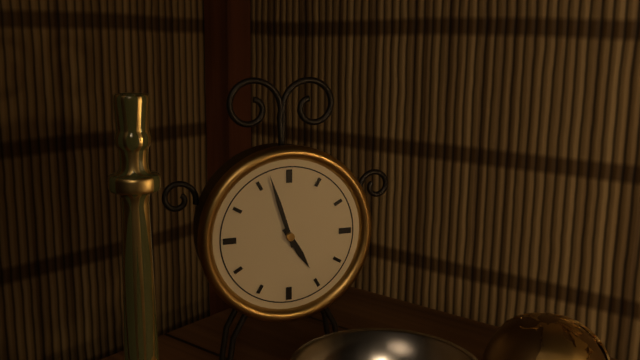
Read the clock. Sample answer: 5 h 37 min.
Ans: 4 h 57 min
